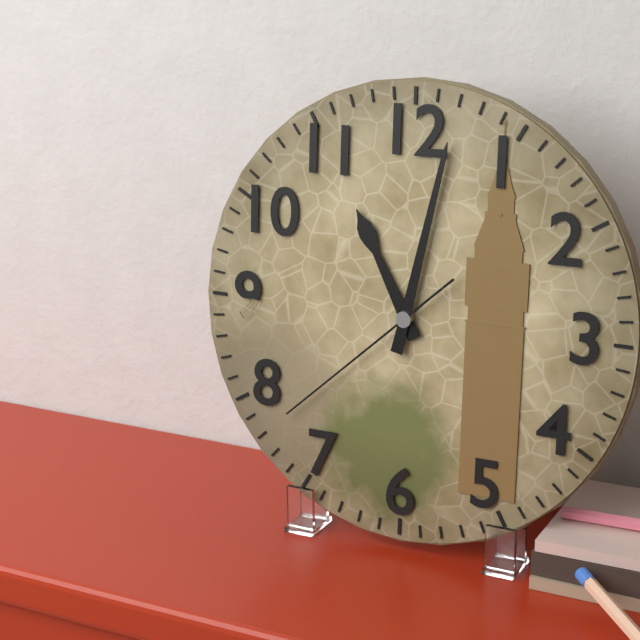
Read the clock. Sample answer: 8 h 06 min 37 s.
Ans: 11 h 02 min 38 s
